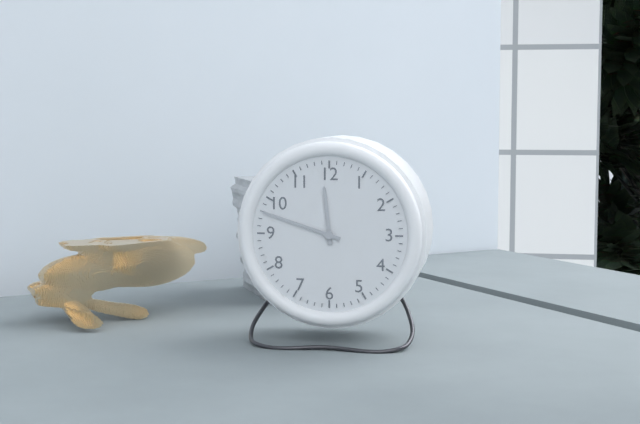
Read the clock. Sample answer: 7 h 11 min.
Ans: 11 h 48 min
